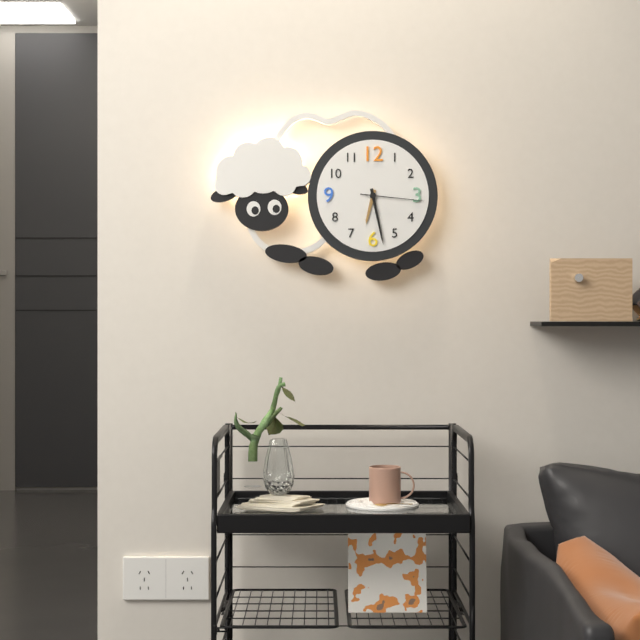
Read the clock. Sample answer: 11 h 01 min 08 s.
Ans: 6 h 28 min 16 s
